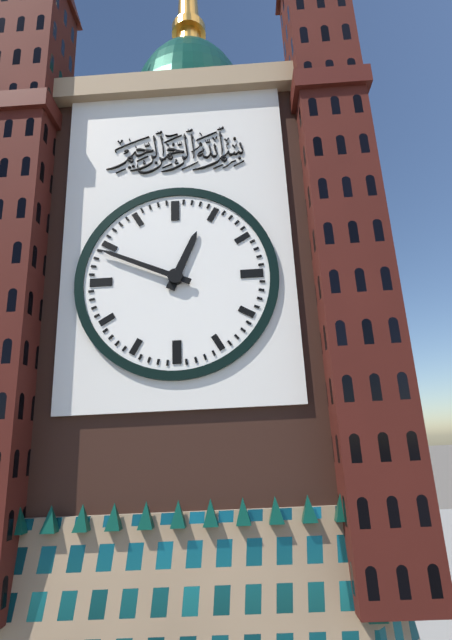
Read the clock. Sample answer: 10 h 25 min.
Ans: 12 h 49 min
